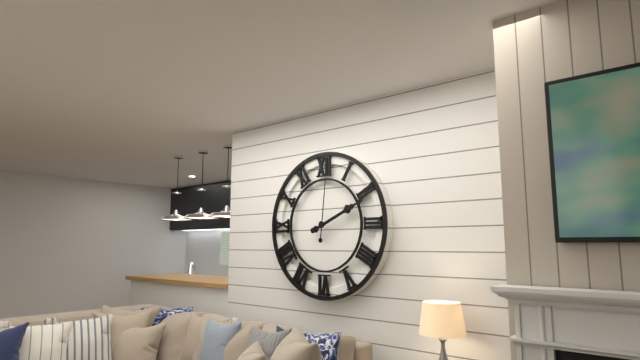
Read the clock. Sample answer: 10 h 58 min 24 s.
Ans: 2 h 11 min 01 s
